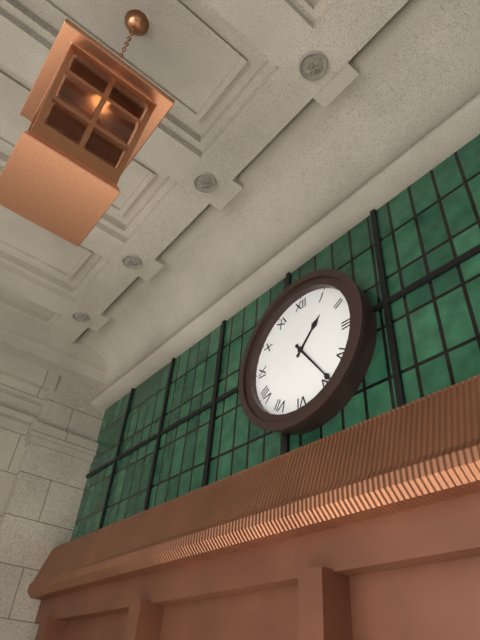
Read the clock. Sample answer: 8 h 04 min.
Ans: 1 h 24 min
